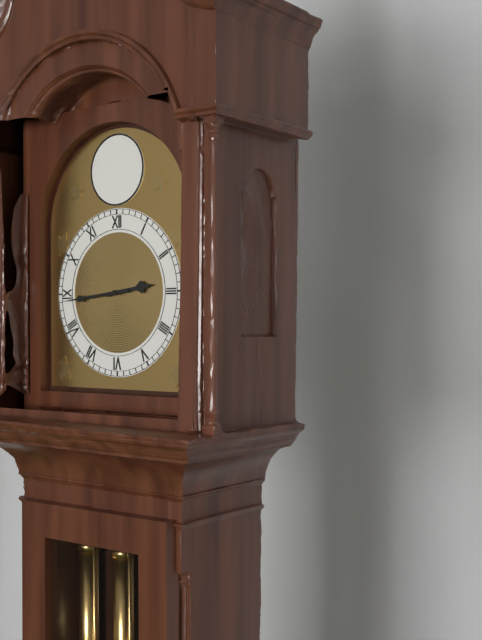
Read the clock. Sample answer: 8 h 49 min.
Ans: 2 h 44 min
